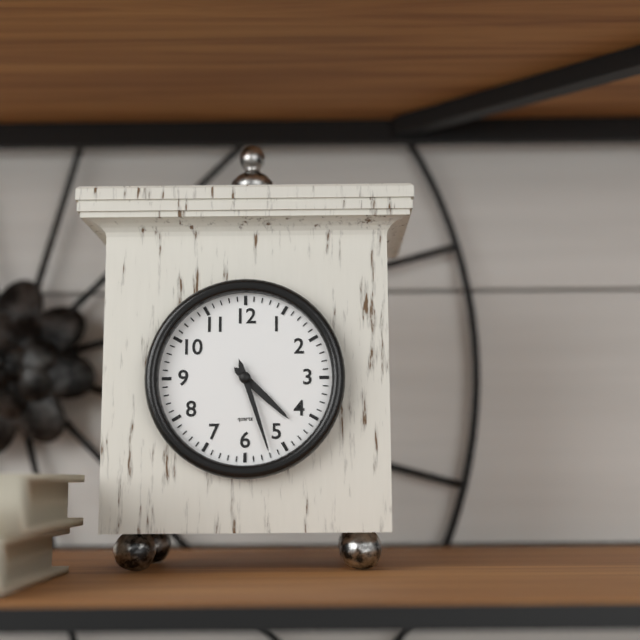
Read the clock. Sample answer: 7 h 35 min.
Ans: 4 h 27 min
